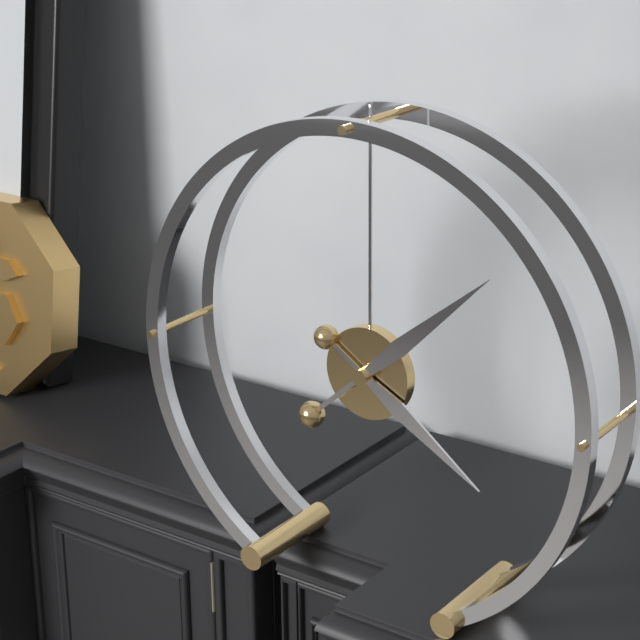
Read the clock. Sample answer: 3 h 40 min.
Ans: 4 h 08 min
